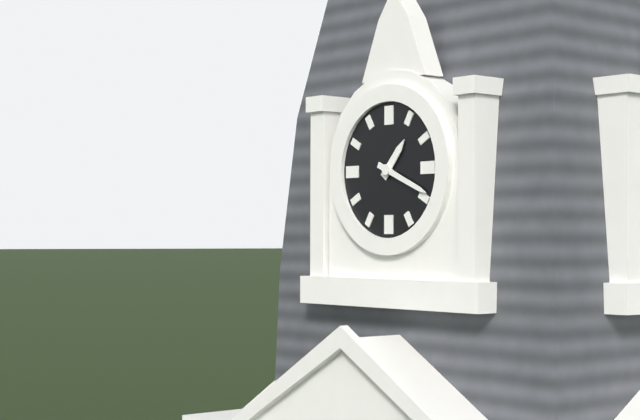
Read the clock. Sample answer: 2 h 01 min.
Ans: 1 h 19 min
